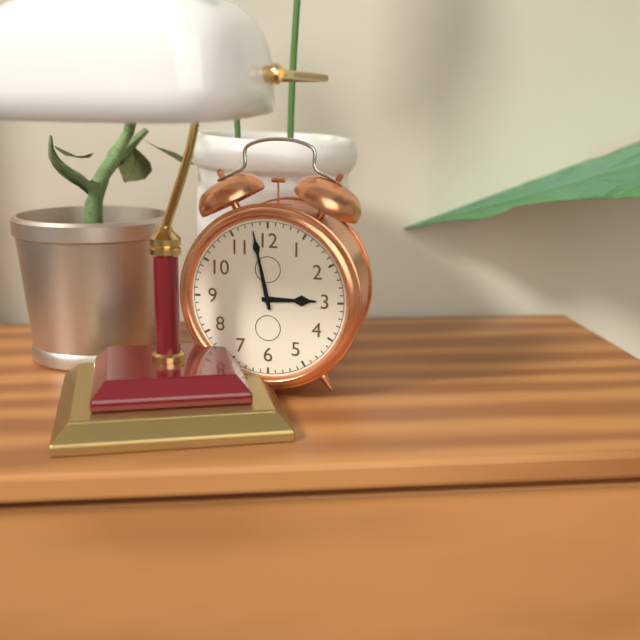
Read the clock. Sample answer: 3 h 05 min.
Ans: 2 h 58 min
